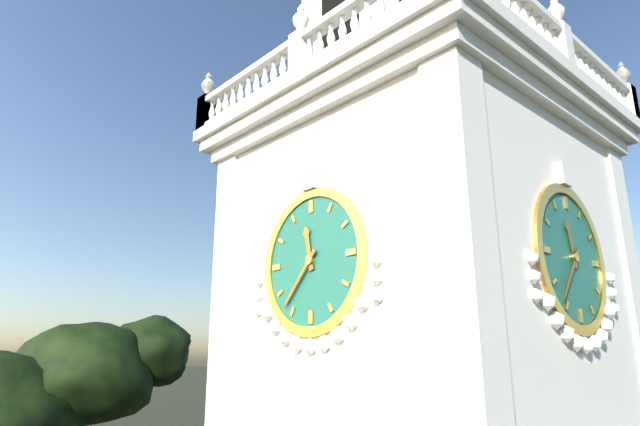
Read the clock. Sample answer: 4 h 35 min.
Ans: 11 h 37 min
